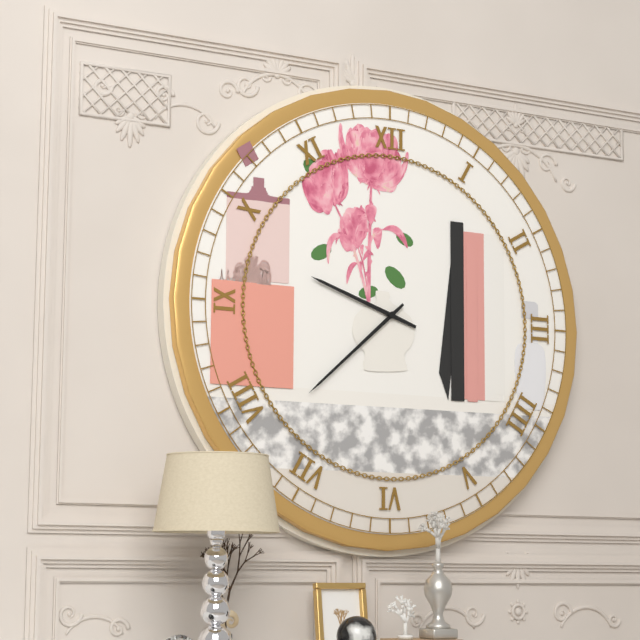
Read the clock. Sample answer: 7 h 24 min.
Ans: 9 h 38 min
